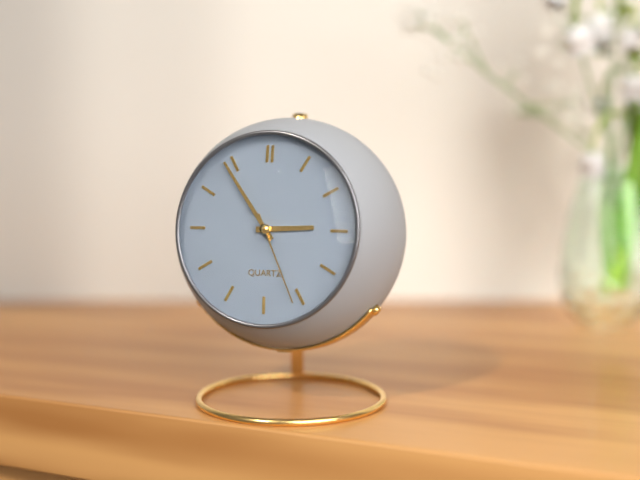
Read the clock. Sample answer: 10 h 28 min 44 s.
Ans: 2 h 54 min 26 s
